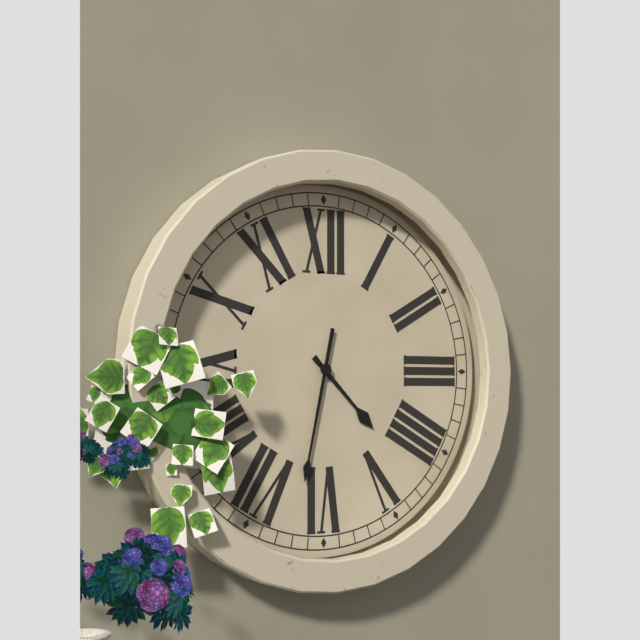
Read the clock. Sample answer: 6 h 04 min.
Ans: 4 h 32 min
